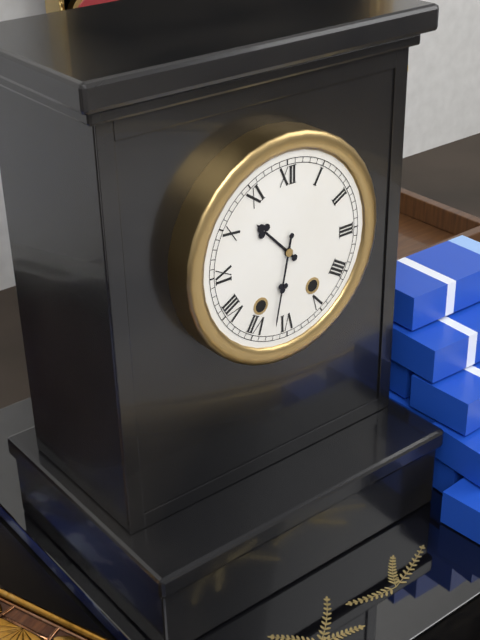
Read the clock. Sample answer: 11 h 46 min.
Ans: 10 h 32 min
